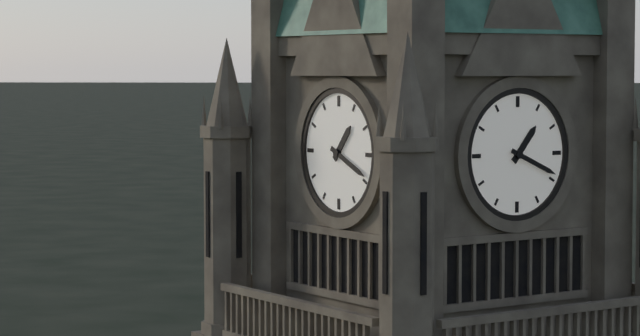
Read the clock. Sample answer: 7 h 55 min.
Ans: 1 h 19 min
